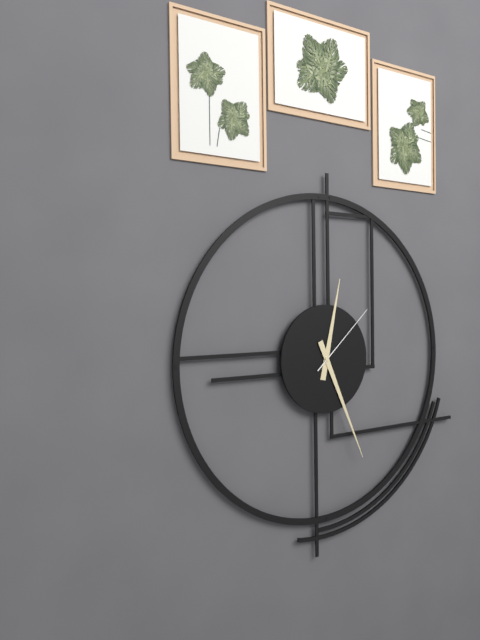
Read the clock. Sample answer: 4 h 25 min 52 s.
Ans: 12 h 26 min 08 s
